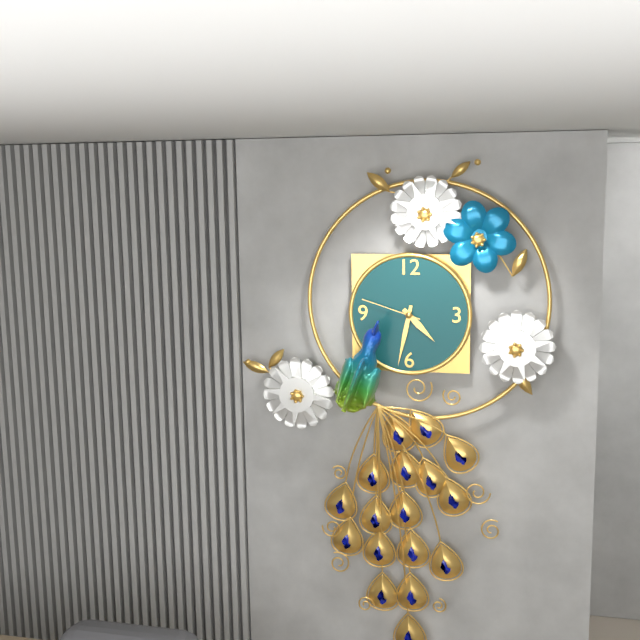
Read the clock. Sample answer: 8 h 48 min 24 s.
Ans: 4 h 32 min 48 s
